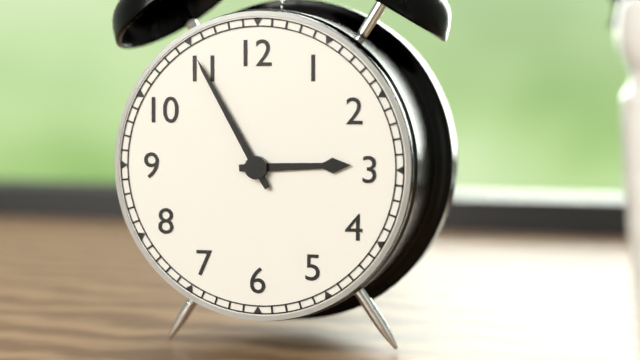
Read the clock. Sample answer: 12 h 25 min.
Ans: 2 h 55 min
